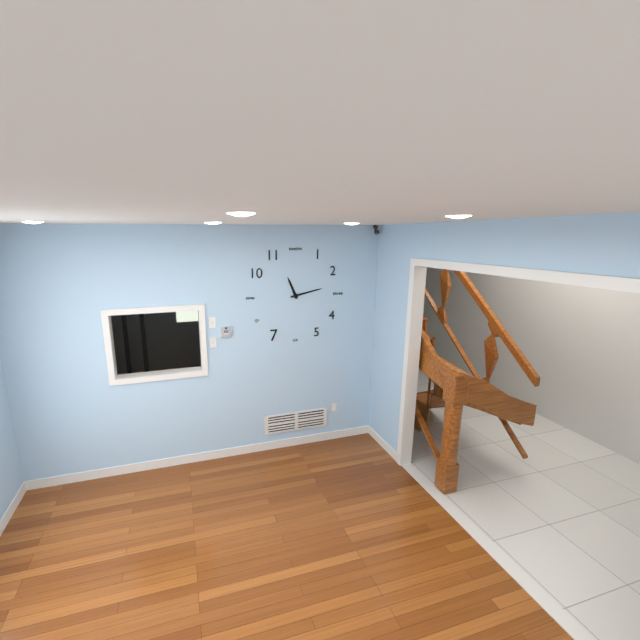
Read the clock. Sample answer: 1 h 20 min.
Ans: 11 h 13 min
